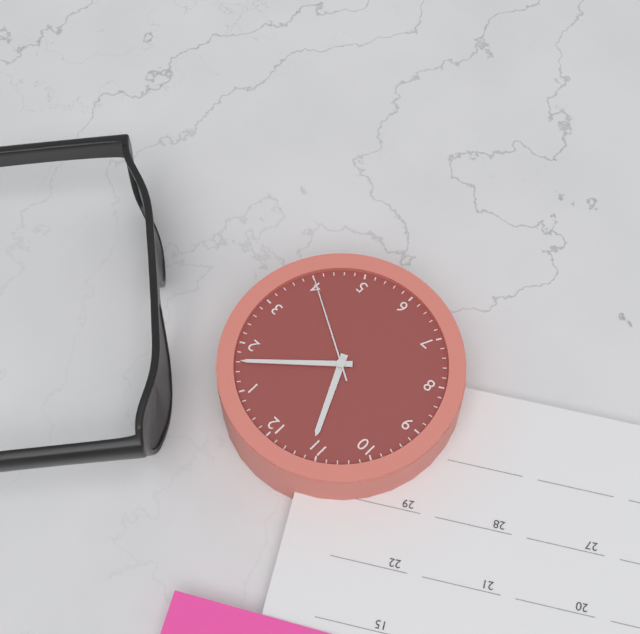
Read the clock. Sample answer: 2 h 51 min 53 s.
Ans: 11 h 08 min 20 s
